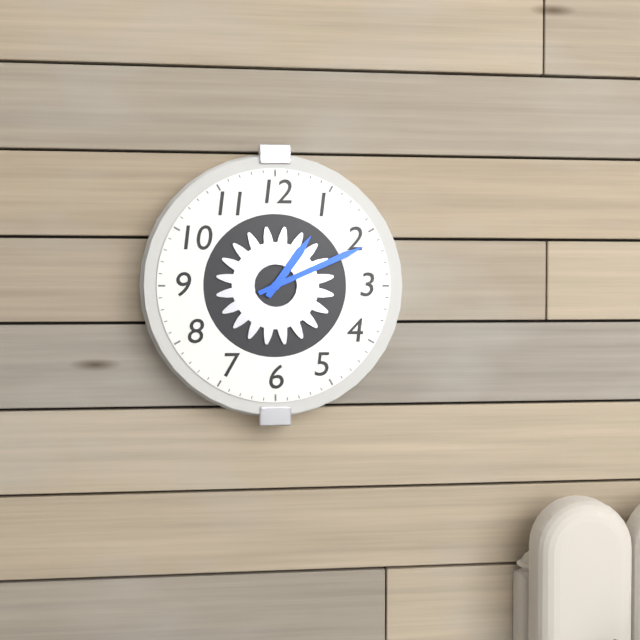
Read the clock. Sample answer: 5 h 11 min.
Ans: 1 h 11 min
